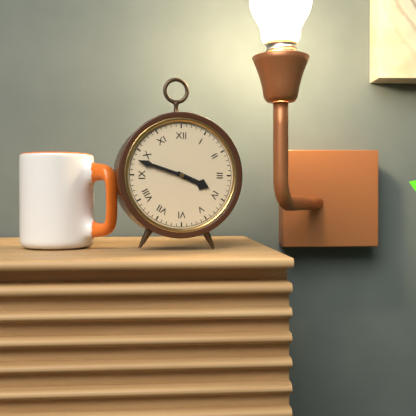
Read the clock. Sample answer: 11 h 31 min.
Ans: 3 h 48 min
